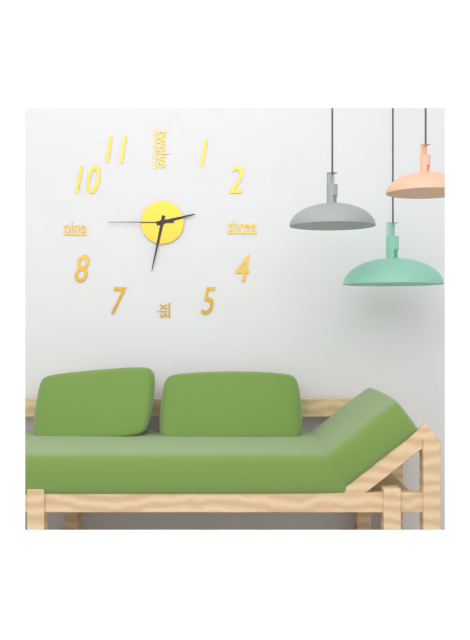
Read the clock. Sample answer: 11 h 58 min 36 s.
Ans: 2 h 32 min 45 s
